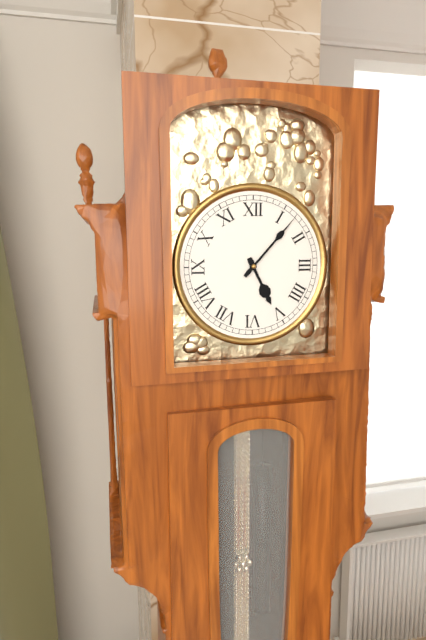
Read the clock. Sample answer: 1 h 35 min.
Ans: 5 h 07 min
